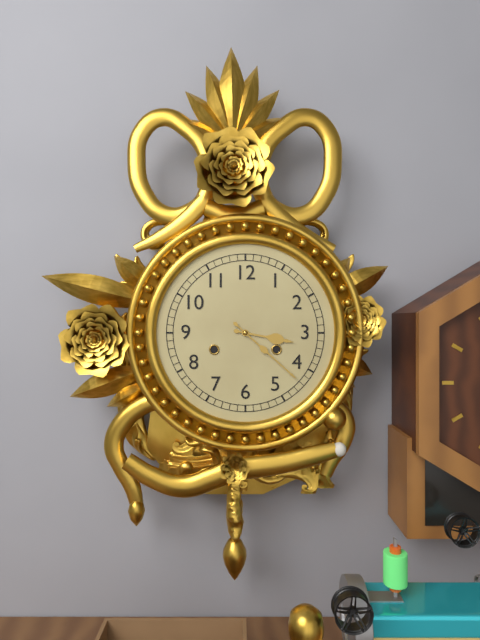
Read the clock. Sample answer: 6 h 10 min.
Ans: 3 h 22 min
